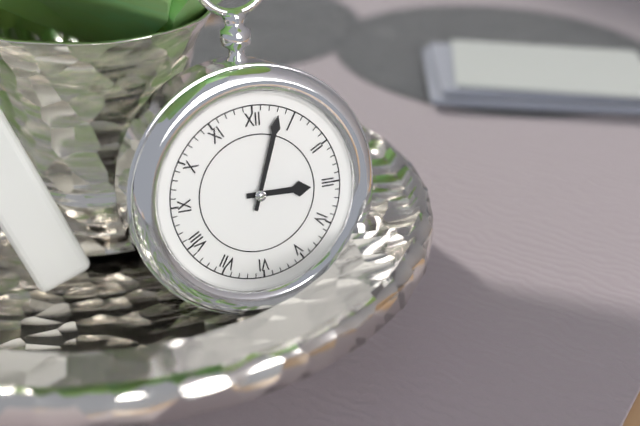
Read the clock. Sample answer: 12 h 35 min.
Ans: 3 h 03 min
